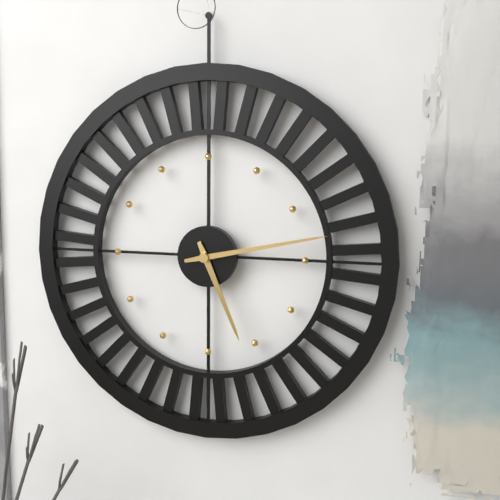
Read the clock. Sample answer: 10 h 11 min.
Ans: 5 h 13 min
